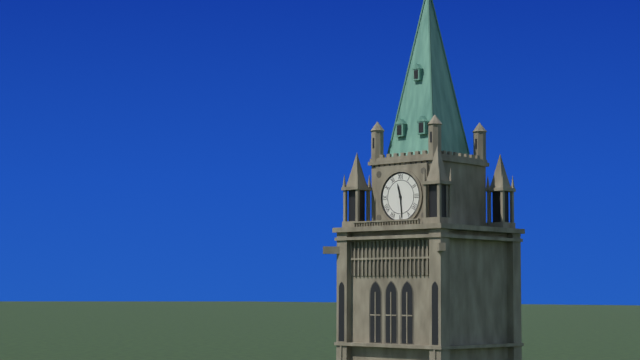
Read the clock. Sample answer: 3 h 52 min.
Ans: 11 h 29 min
